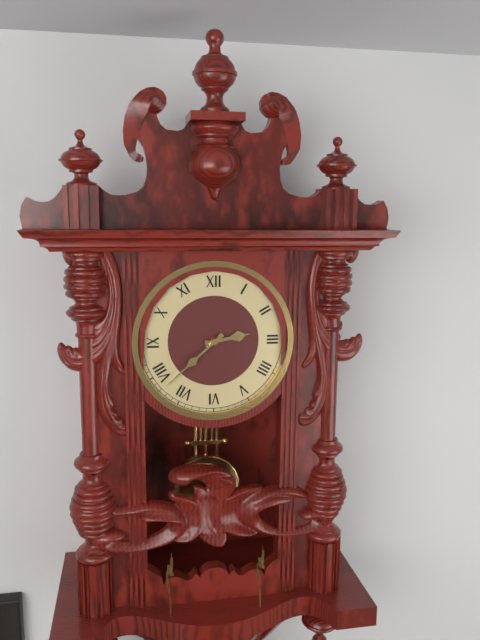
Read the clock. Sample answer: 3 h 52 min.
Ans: 2 h 38 min
